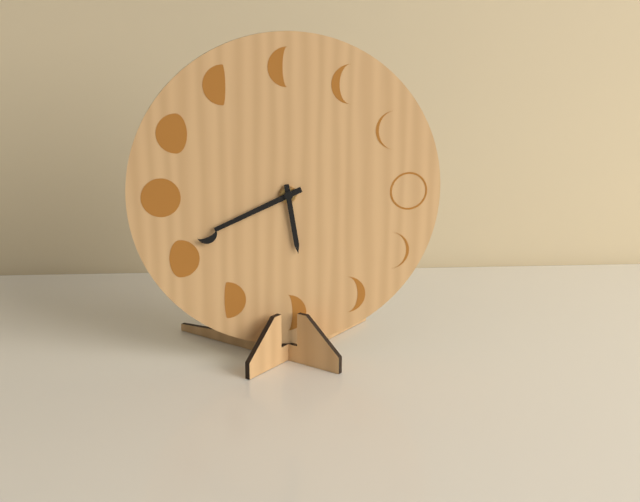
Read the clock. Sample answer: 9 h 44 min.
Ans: 5 h 41 min
